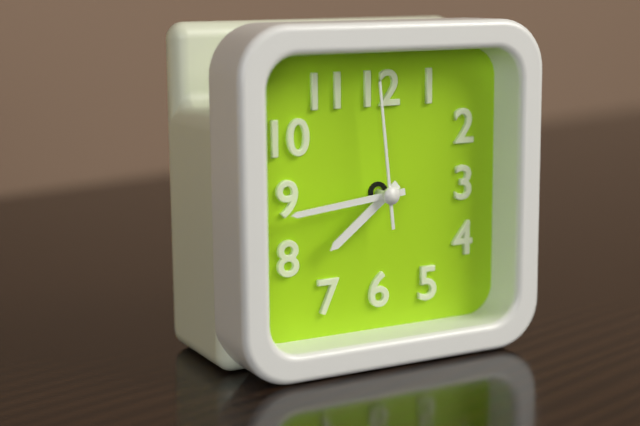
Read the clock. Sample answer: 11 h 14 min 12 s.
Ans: 7 h 44 min 59 s
